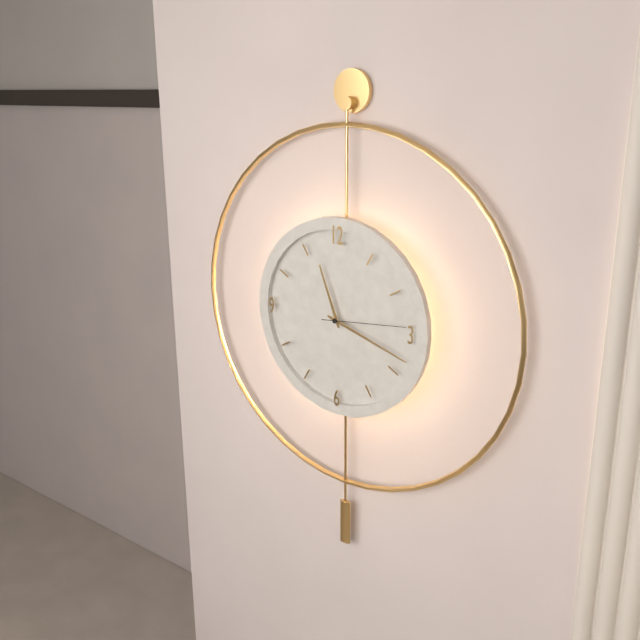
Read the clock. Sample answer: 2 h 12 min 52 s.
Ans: 11 h 18 min 14 s
